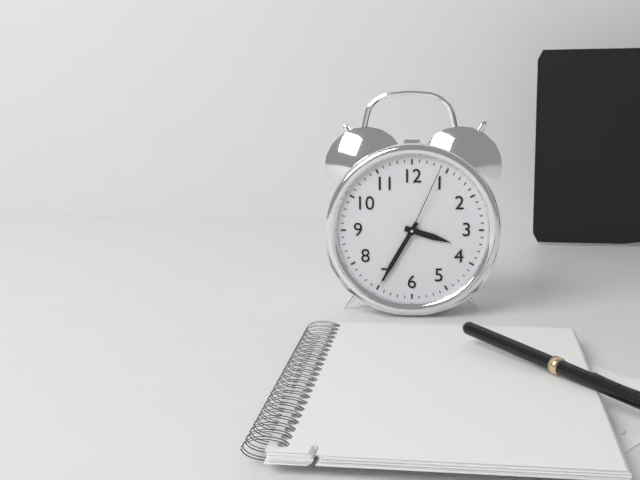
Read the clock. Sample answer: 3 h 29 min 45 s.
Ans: 3 h 35 min 04 s
